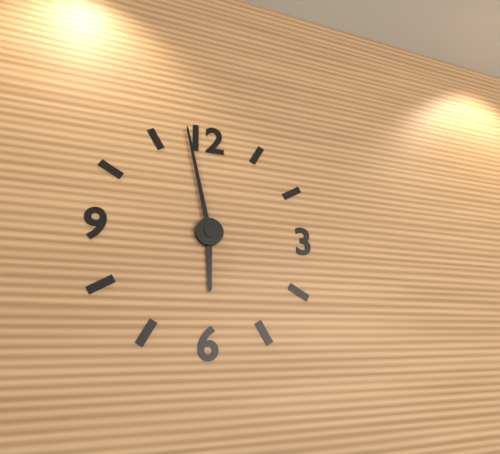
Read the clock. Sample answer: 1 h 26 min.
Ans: 5 h 58 min
